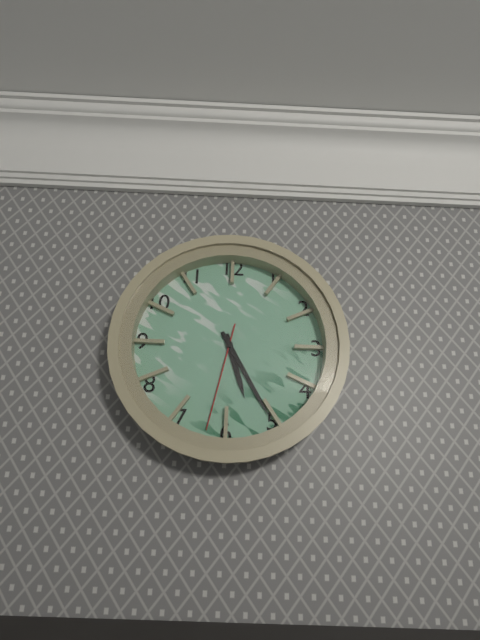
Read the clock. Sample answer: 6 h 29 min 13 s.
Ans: 5 h 25 min 32 s
